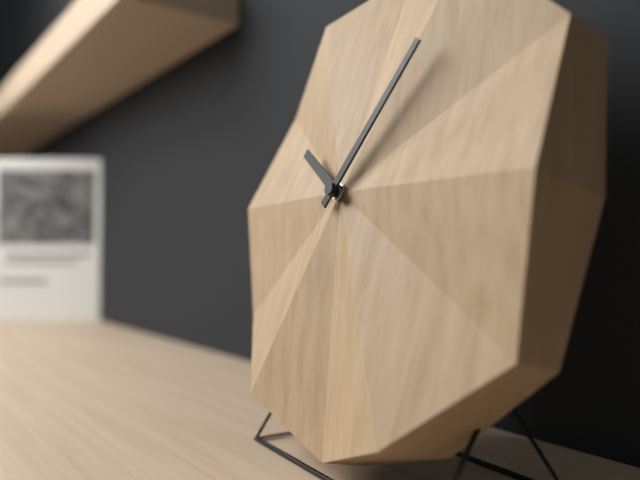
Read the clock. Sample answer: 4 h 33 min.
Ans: 10 h 06 min
